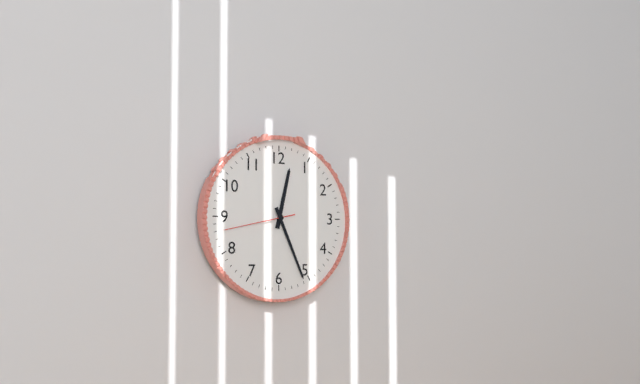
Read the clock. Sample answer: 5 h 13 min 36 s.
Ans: 12 h 26 min 43 s
